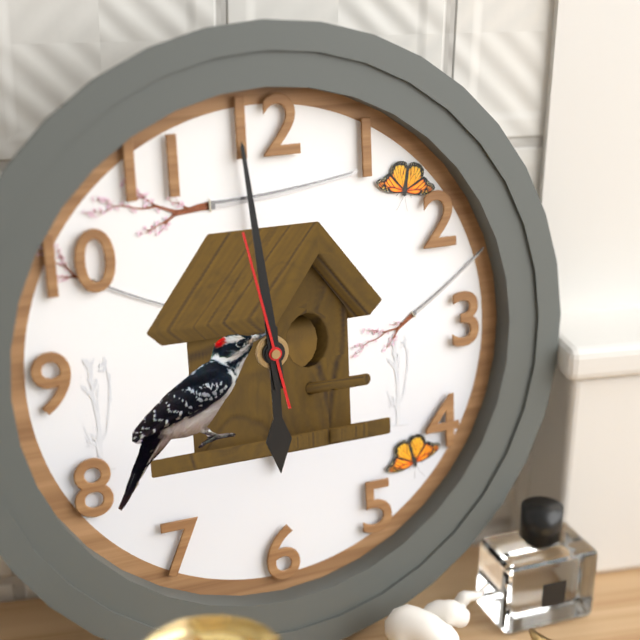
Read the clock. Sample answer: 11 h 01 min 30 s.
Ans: 5 h 59 min 58 s
